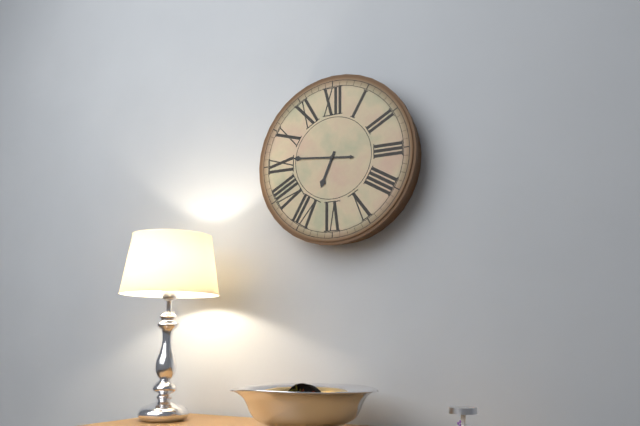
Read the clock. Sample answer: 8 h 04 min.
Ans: 6 h 46 min
